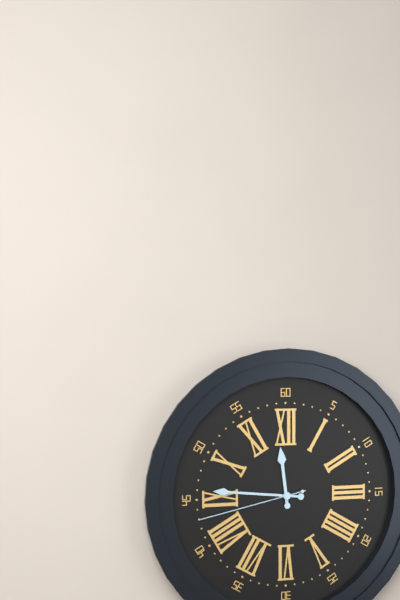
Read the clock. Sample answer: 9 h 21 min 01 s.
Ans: 11 h 46 min 43 s
